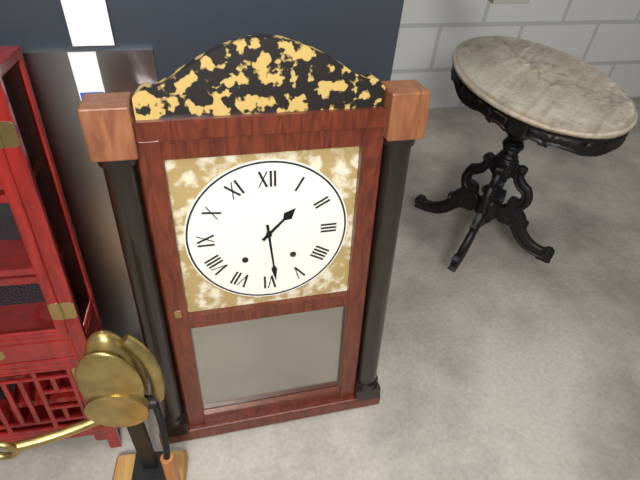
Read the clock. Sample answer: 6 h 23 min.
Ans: 1 h 29 min
